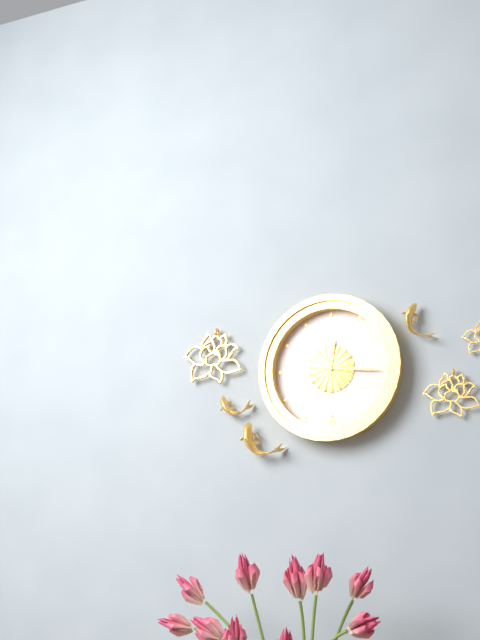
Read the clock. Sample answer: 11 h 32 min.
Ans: 12 h 16 min
